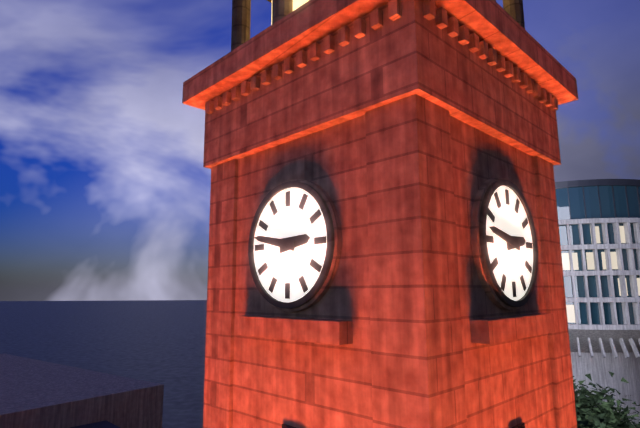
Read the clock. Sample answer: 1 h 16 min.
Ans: 2 h 47 min
